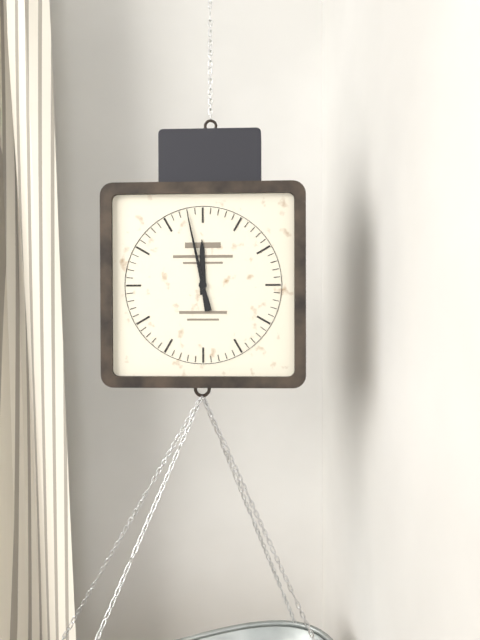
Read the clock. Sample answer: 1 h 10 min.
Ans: 11 h 58 min
